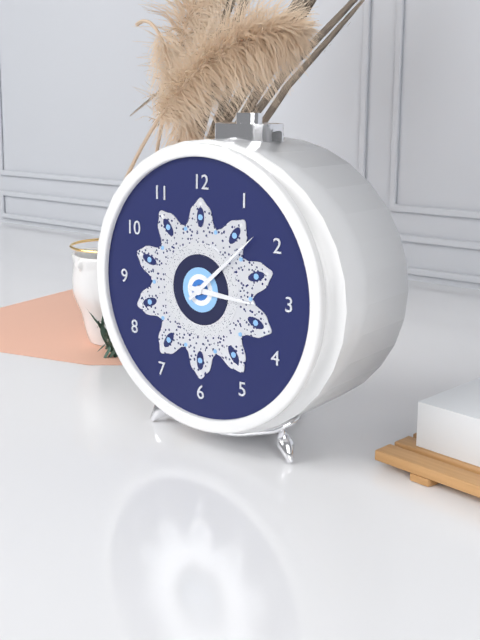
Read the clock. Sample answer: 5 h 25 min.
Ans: 3 h 08 min
